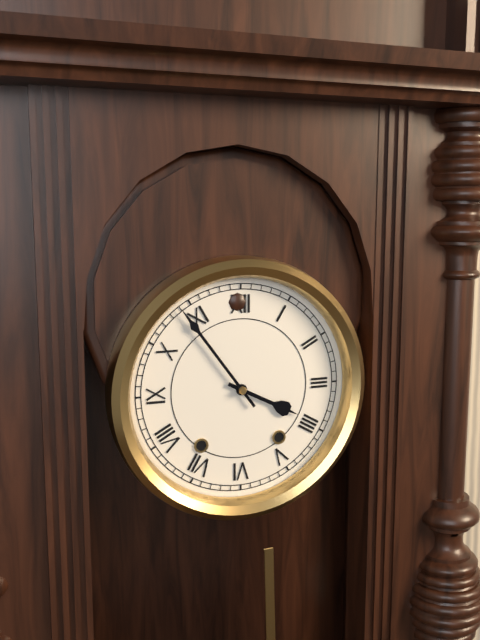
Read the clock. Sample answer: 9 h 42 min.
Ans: 3 h 54 min
